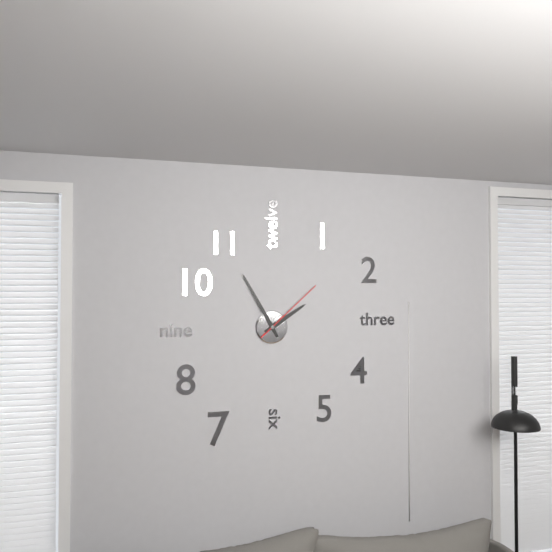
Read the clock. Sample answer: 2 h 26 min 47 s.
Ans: 1 h 55 min 08 s
